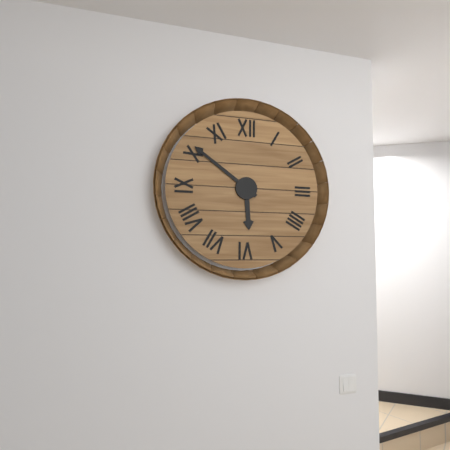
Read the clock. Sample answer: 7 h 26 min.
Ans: 5 h 51 min
